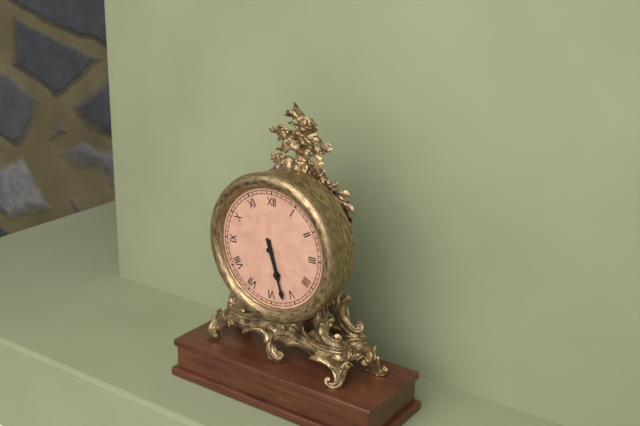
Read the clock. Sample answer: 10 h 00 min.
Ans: 5 h 27 min
